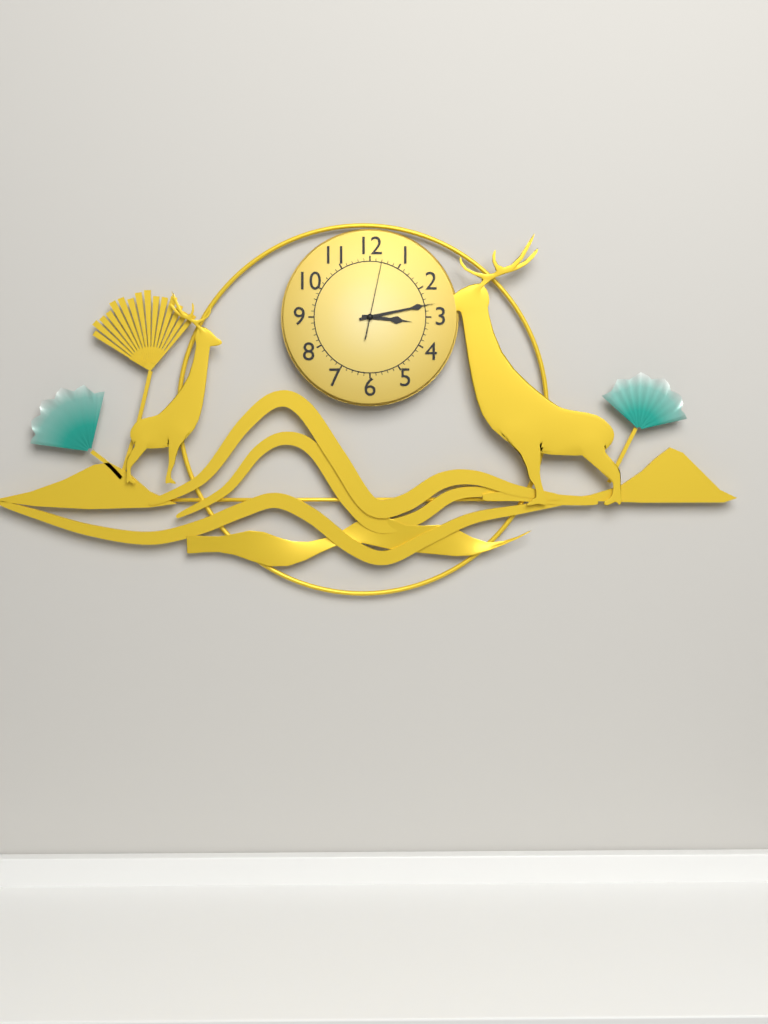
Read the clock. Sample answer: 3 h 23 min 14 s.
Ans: 3 h 13 min 02 s
